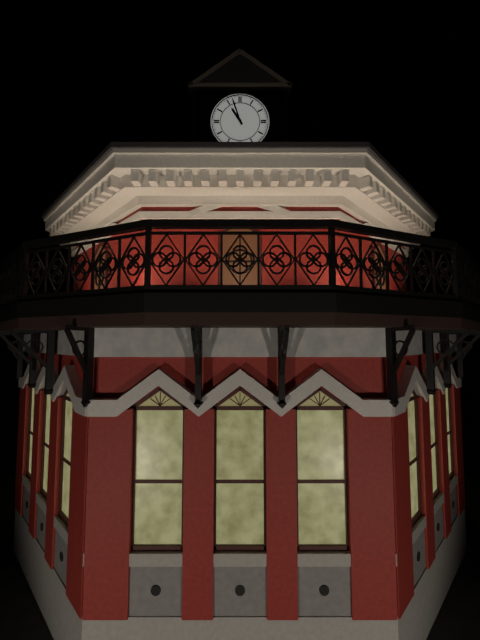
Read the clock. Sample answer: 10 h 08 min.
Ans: 10 h 57 min
